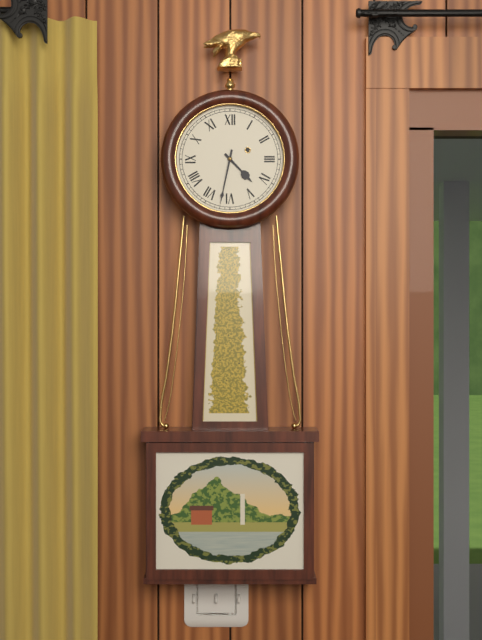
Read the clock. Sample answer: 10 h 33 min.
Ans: 4 h 32 min
